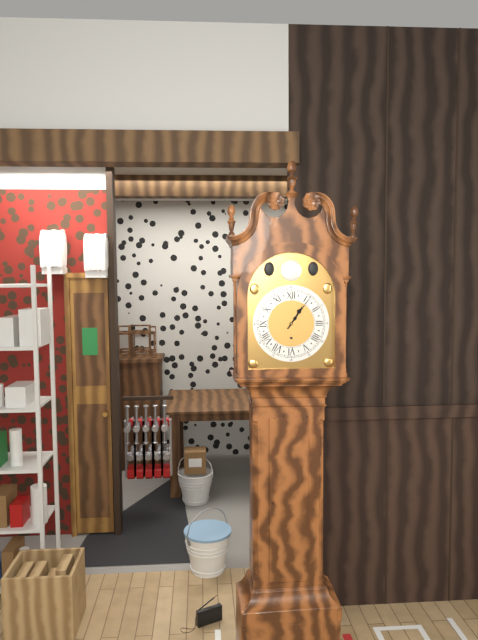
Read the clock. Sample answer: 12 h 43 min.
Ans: 1 h 06 min
